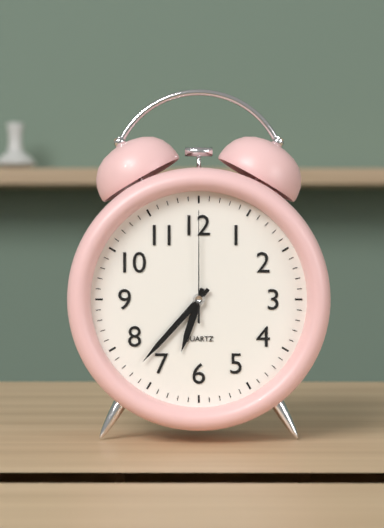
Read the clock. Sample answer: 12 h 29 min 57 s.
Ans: 6 h 37 min 00 s
